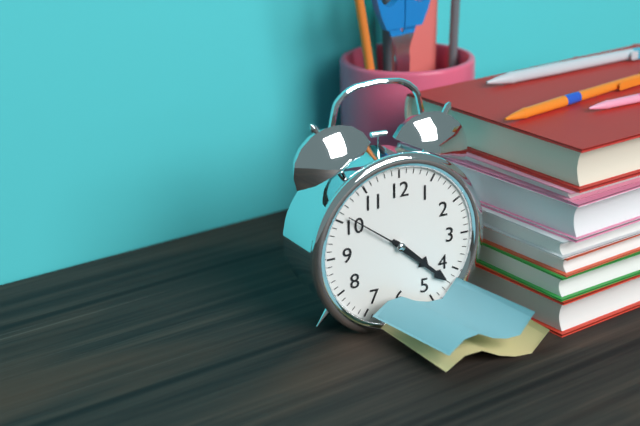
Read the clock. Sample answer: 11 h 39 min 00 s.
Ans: 4 h 22 min 51 s
